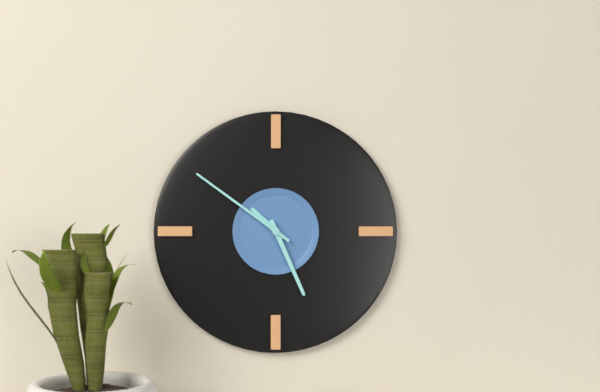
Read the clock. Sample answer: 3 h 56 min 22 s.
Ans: 10 h 26 min 51 s
